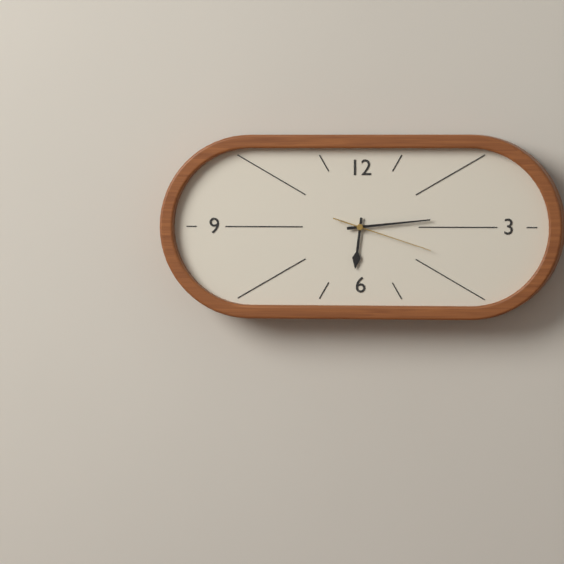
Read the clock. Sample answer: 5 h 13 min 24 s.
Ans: 6 h 14 min 18 s
